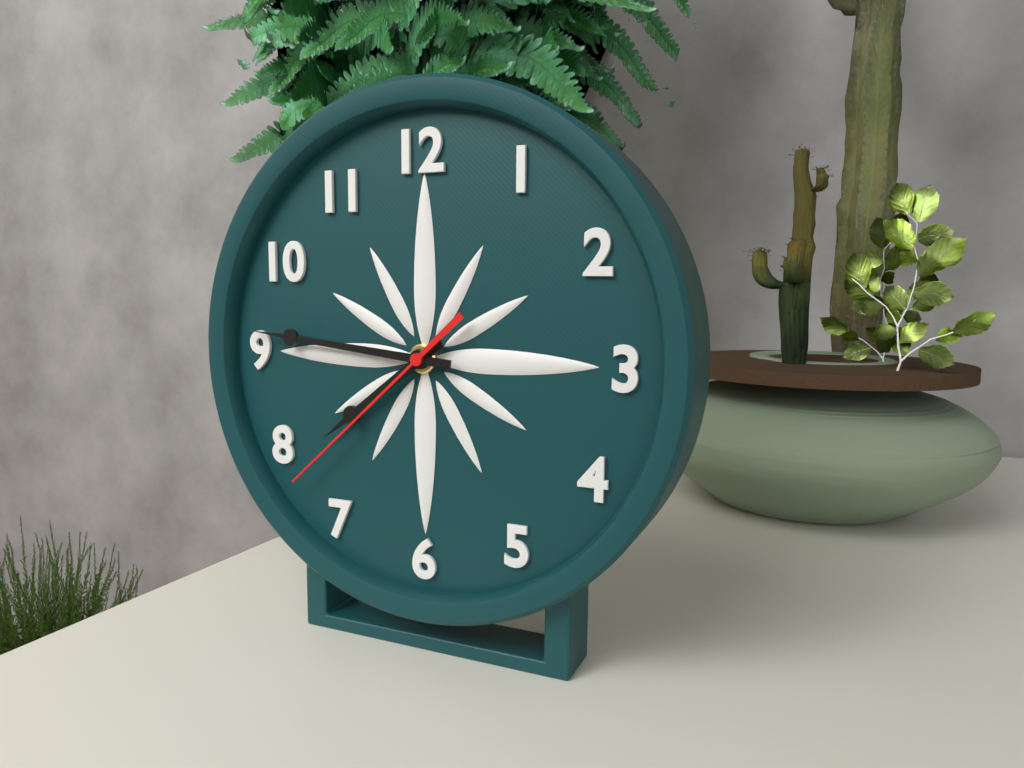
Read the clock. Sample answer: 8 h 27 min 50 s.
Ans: 7 h 46 min 38 s
